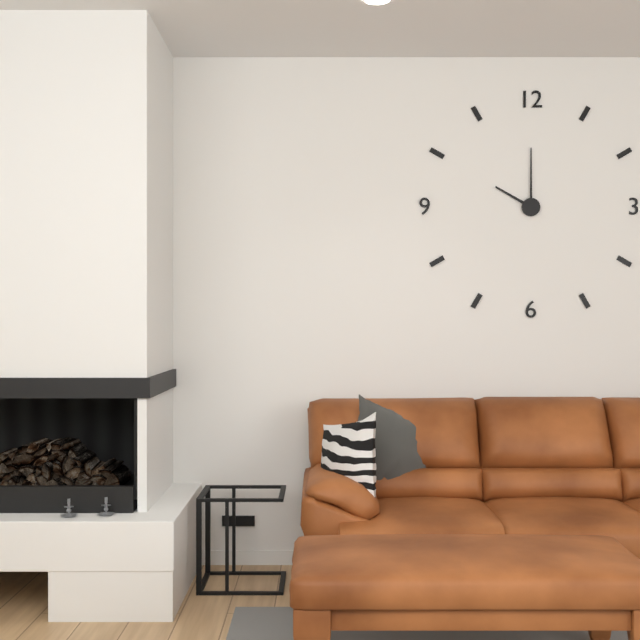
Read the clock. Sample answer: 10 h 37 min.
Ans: 10 h 00 min
